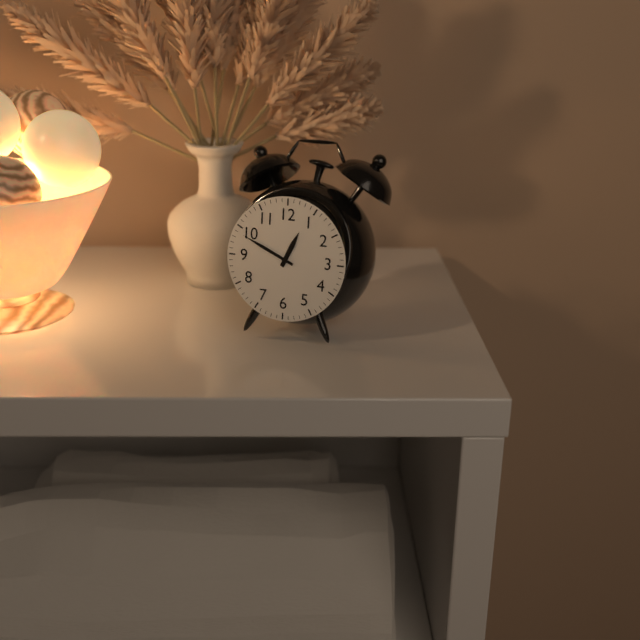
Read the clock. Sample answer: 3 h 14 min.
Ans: 12 h 49 min
